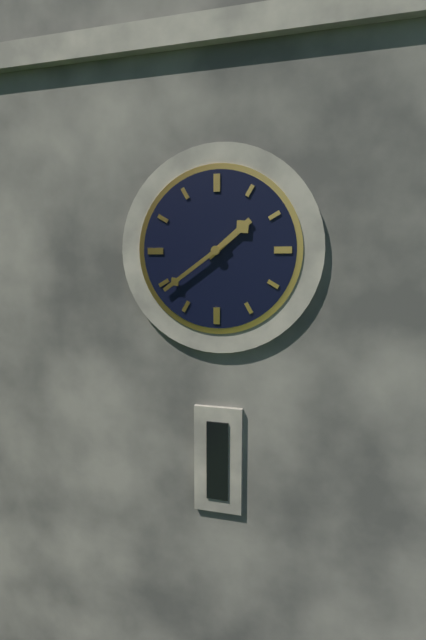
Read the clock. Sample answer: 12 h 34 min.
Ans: 1 h 39 min
